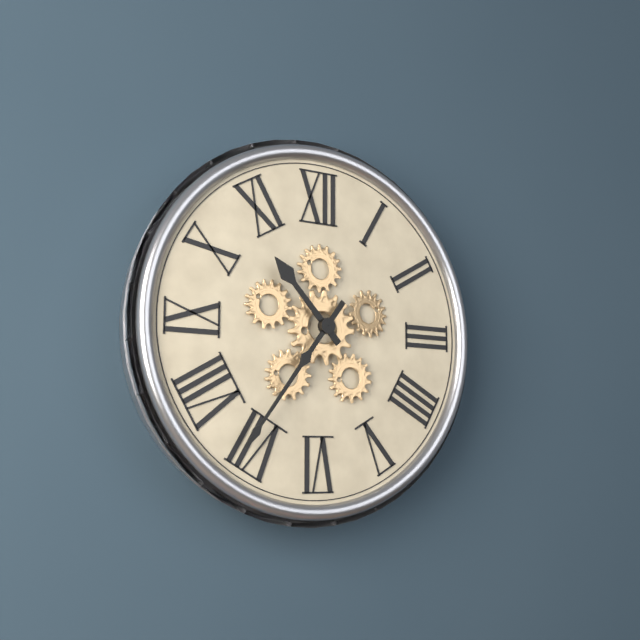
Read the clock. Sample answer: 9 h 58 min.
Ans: 10 h 36 min
